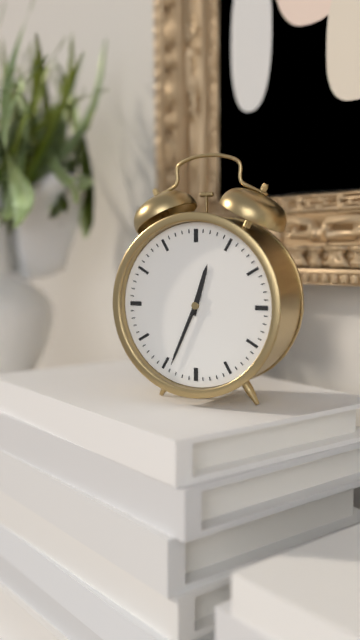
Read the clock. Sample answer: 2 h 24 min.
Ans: 12 h 34 min
